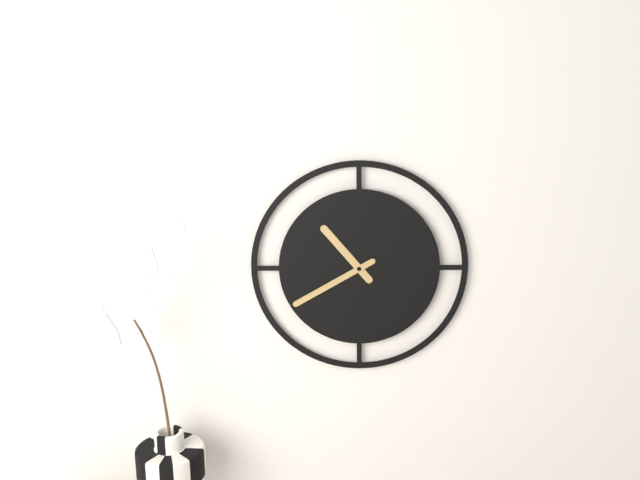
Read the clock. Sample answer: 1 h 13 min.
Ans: 10 h 40 min
